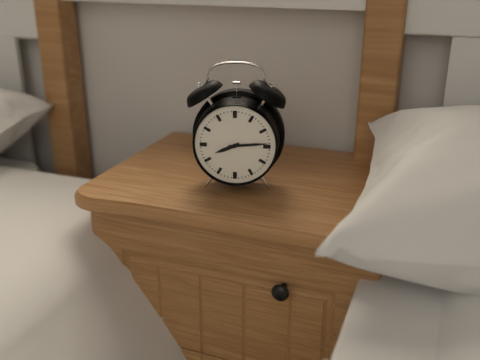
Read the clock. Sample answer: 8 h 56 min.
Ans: 8 h 14 min
